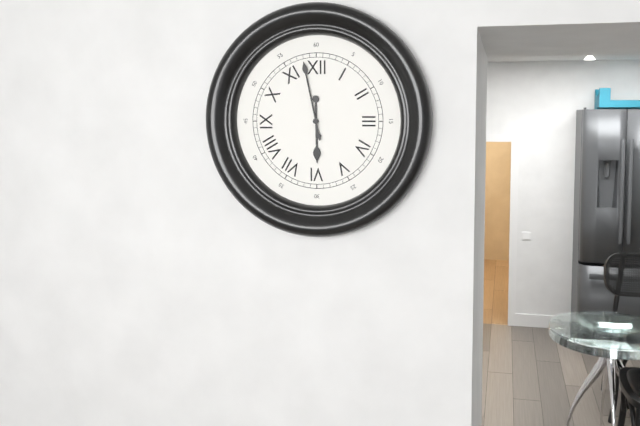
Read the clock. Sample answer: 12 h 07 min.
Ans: 5 h 58 min
